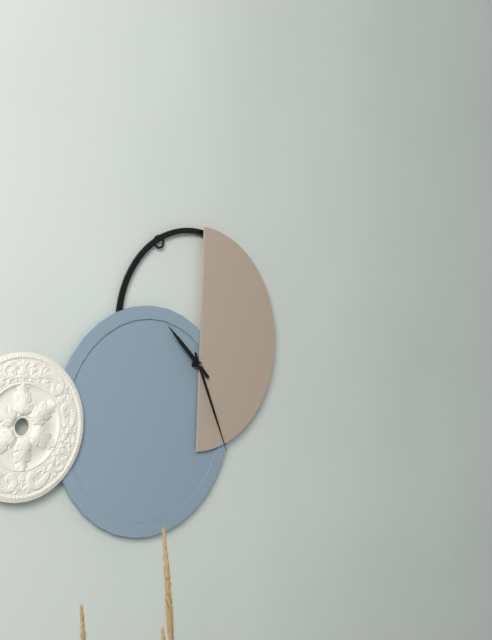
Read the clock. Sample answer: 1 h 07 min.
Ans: 10 h 26 min
